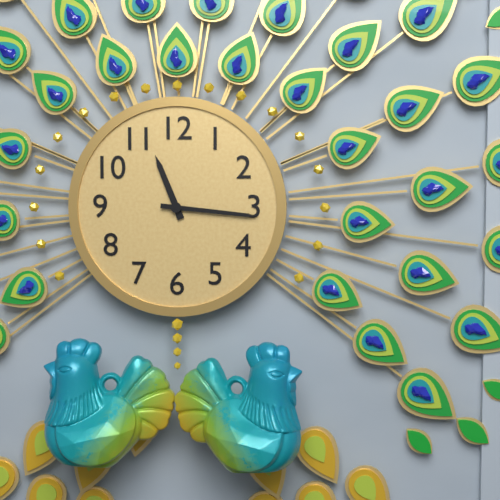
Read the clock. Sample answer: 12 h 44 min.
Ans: 11 h 16 min
